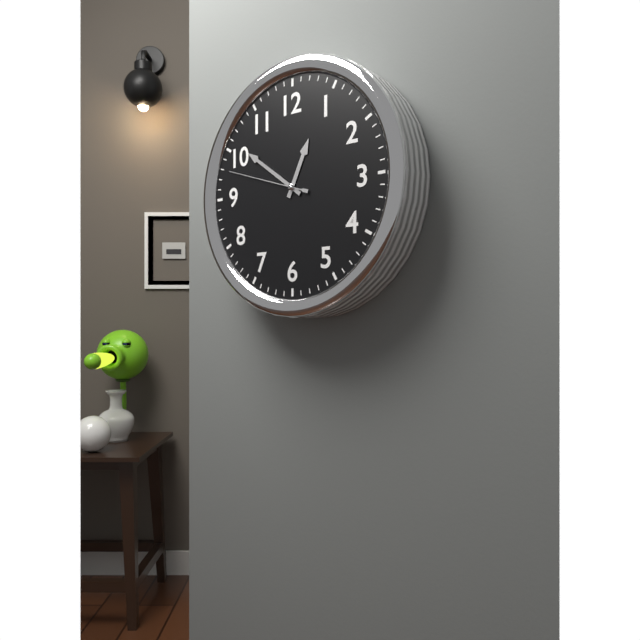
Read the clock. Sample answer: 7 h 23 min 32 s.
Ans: 12 h 51 min 48 s
